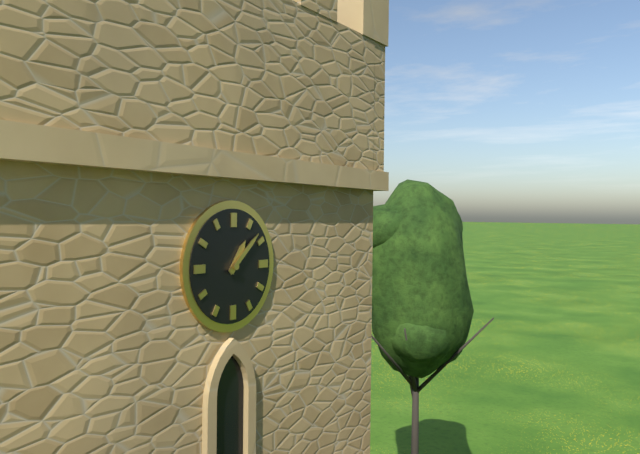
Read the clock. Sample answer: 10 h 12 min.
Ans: 1 h 08 min
